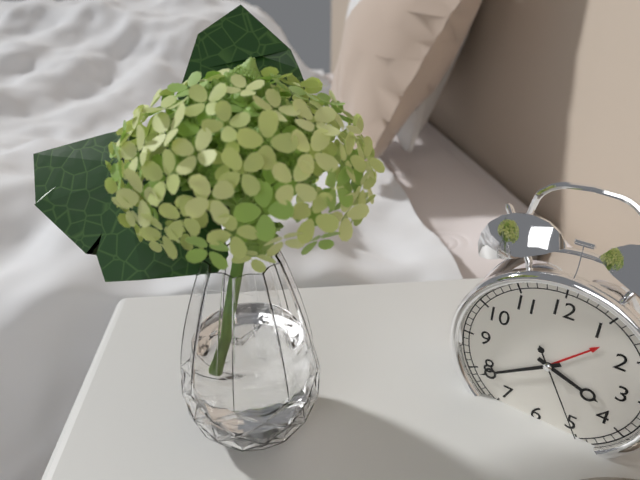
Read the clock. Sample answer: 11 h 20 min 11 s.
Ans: 3 h 39 min 25 s
